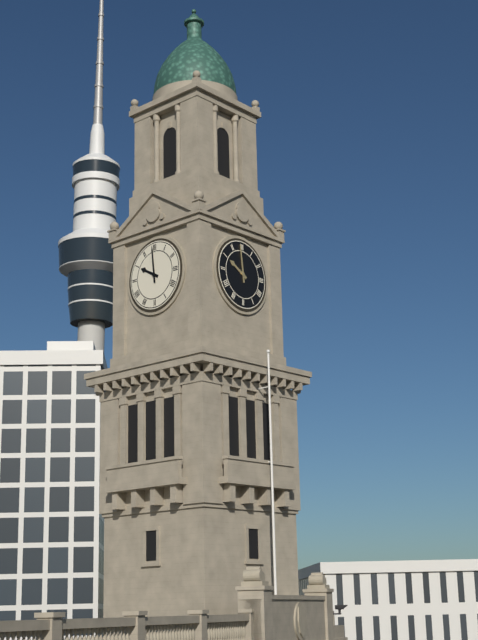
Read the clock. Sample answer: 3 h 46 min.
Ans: 9 h 59 min
